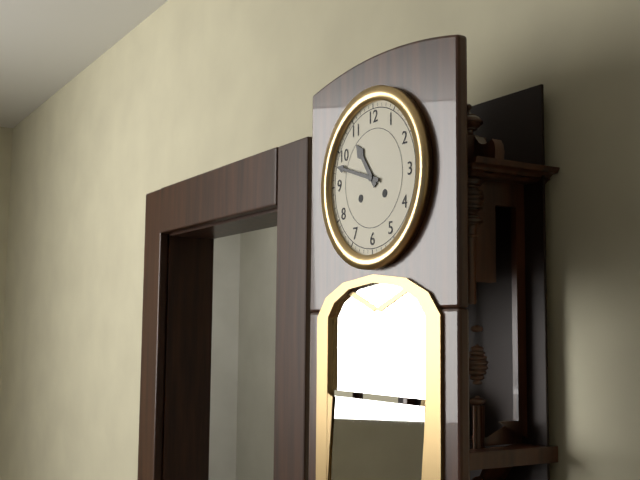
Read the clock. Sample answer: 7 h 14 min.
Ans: 10 h 48 min
